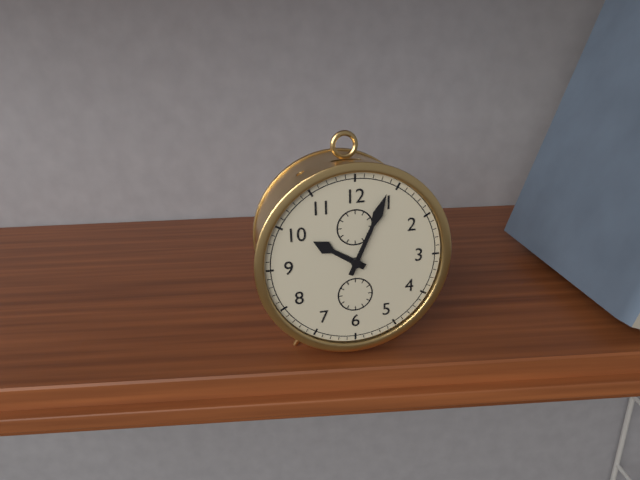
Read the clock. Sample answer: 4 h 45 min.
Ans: 10 h 04 min
